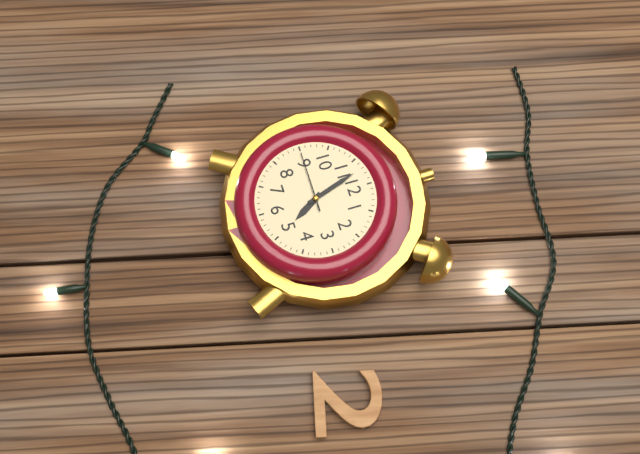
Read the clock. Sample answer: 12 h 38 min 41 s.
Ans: 4 h 57 min 45 s
